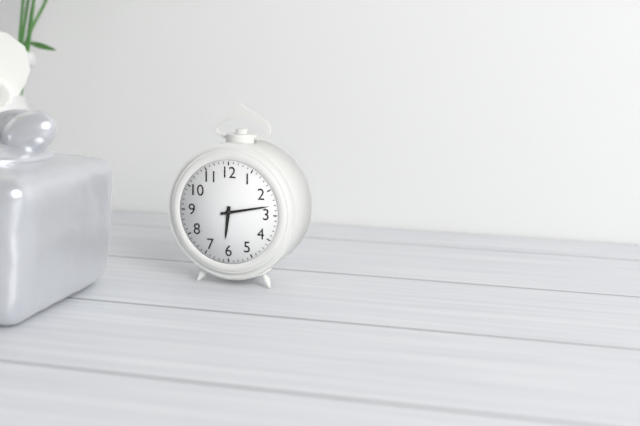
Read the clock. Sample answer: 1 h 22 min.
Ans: 6 h 13 min
